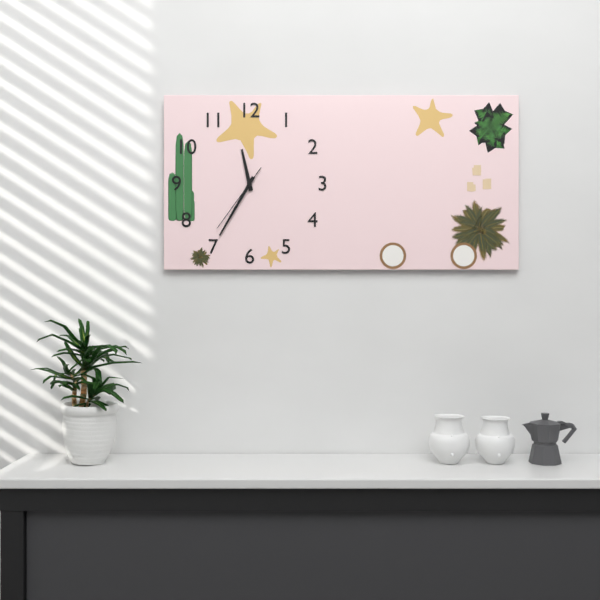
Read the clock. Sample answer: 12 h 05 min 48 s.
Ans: 11 h 35 min 36 s
